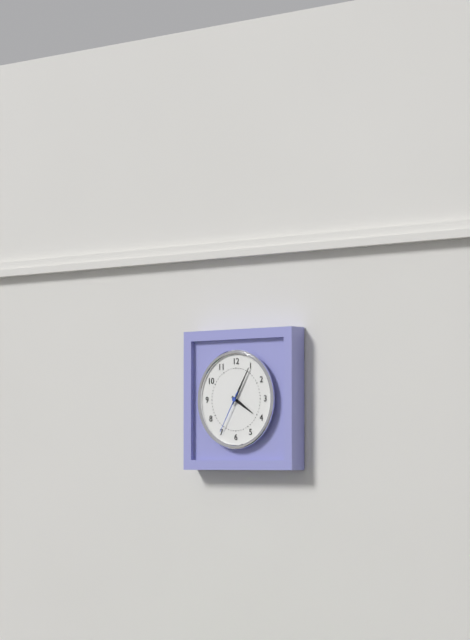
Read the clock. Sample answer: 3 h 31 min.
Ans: 4 h 05 min
